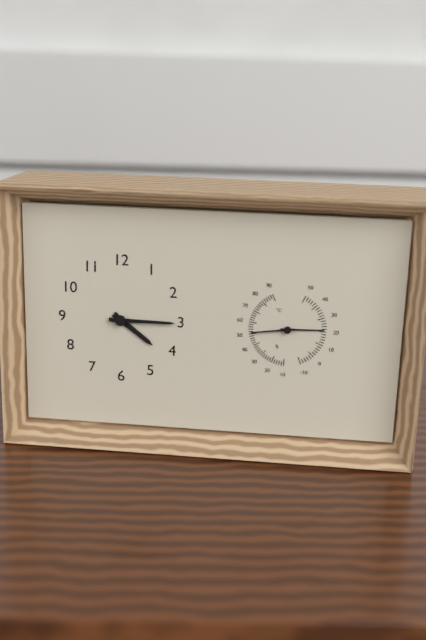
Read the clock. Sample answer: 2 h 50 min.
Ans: 4 h 15 min
